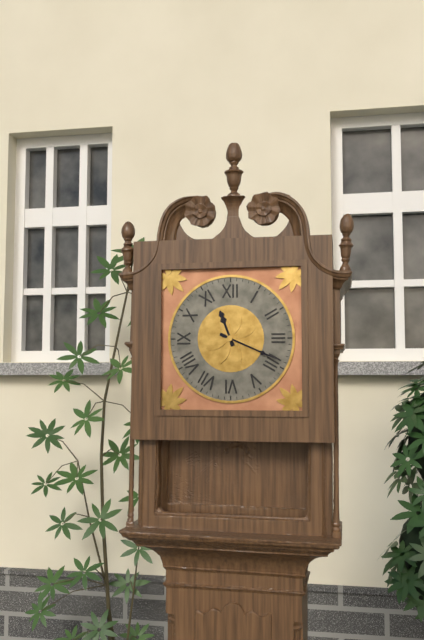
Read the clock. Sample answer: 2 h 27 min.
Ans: 11 h 19 min
